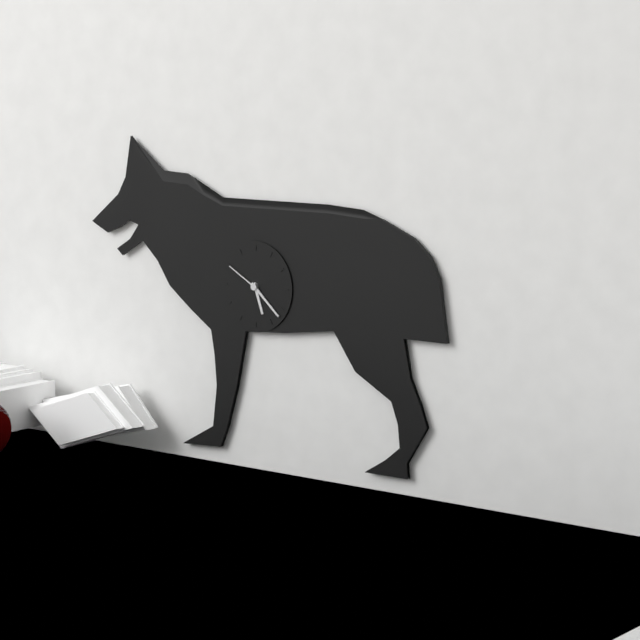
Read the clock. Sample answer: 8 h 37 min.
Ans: 5 h 22 min
